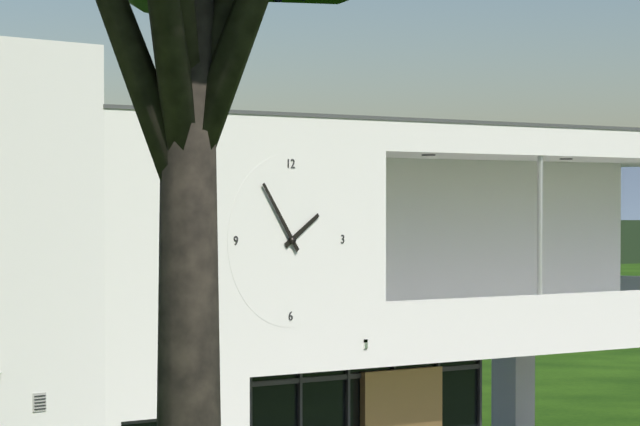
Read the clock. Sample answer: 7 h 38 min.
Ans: 1 h 54 min
